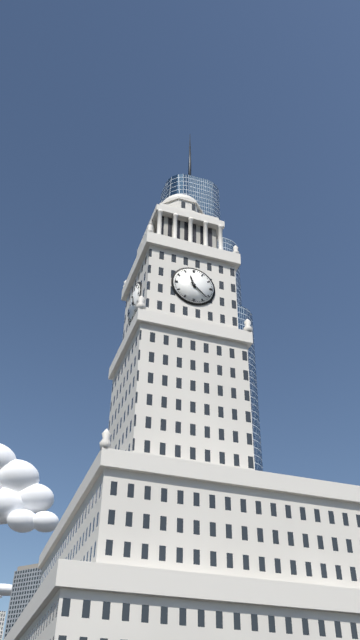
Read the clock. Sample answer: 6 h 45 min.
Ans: 11 h 22 min
